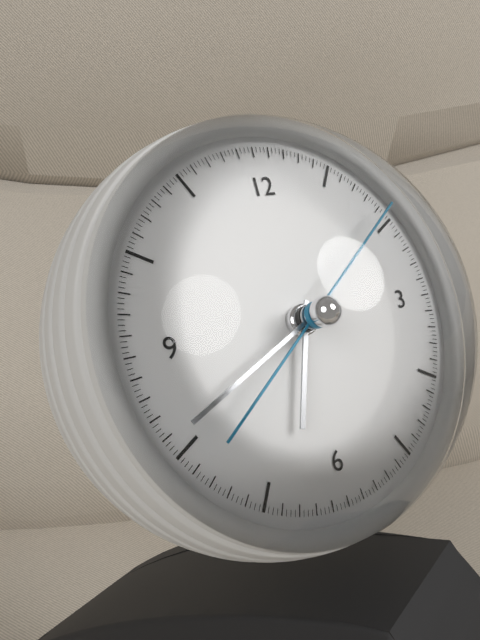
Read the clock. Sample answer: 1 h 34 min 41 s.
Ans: 6 h 41 min 09 s
